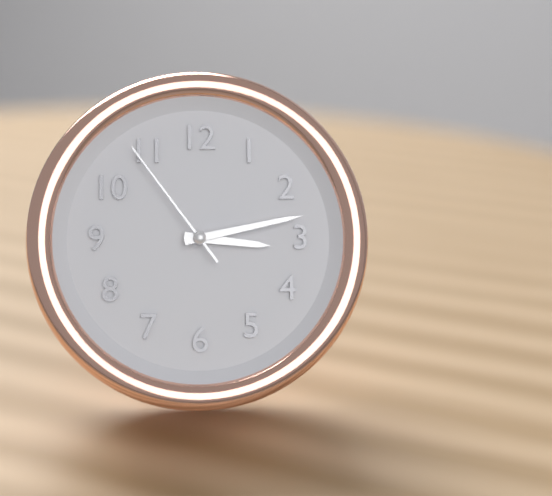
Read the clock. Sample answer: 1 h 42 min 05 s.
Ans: 3 h 13 min 54 s
